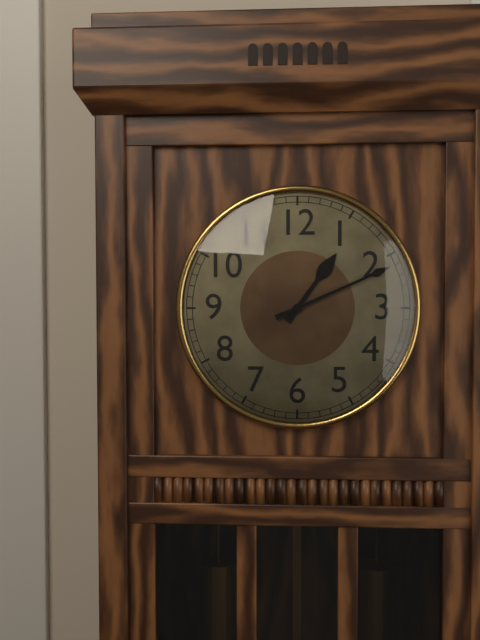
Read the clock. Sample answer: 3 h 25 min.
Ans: 1 h 11 min
